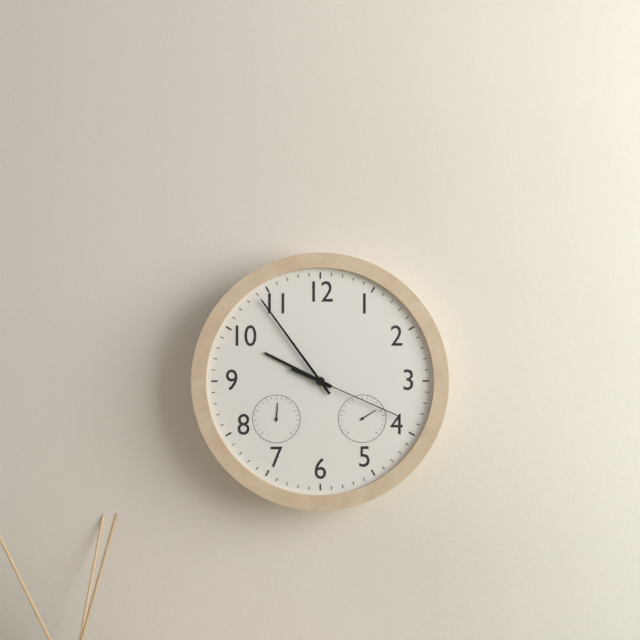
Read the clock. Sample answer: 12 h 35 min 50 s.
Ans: 9 h 54 min 19 s
